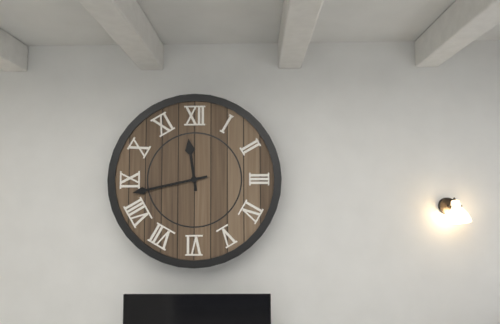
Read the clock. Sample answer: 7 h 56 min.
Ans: 11 h 43 min
